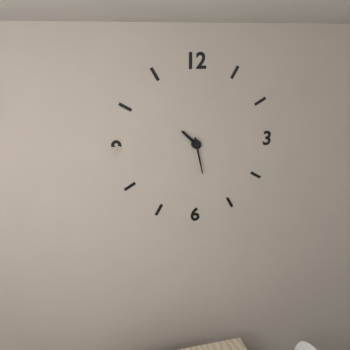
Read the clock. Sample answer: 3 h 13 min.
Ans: 10 h 28 min
